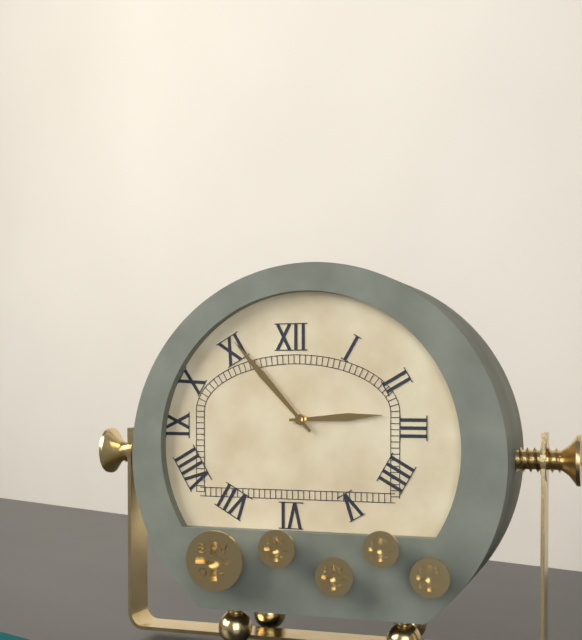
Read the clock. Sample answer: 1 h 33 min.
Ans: 2 h 53 min
